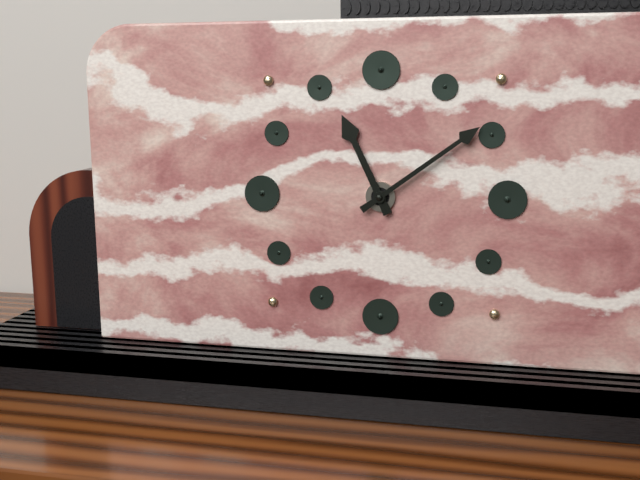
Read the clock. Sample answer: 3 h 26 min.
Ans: 11 h 09 min
